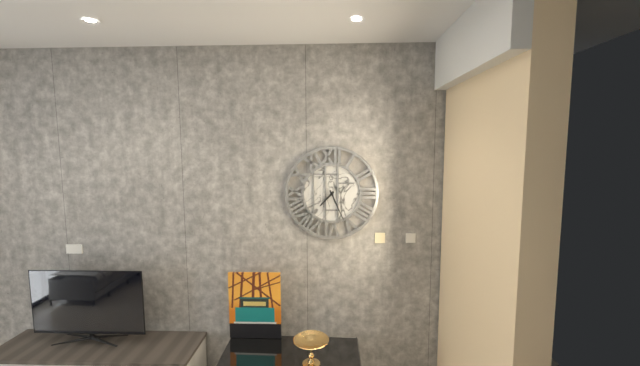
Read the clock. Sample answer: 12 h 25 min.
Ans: 7 h 26 min
